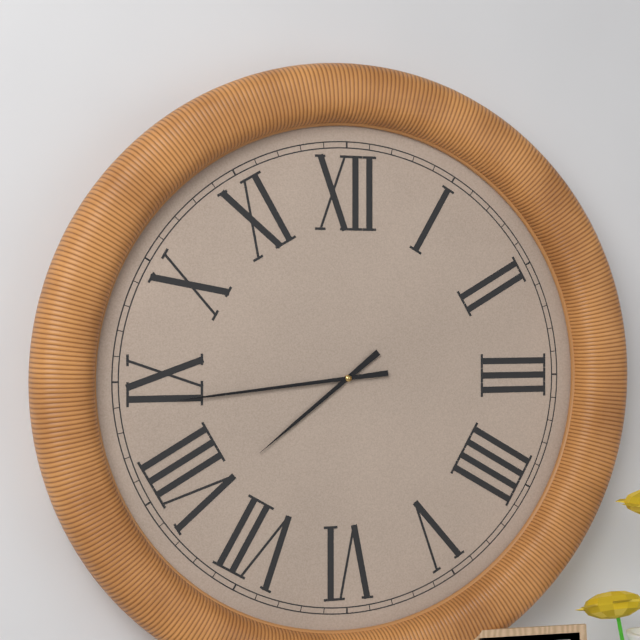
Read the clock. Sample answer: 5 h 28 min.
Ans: 7 h 44 min
